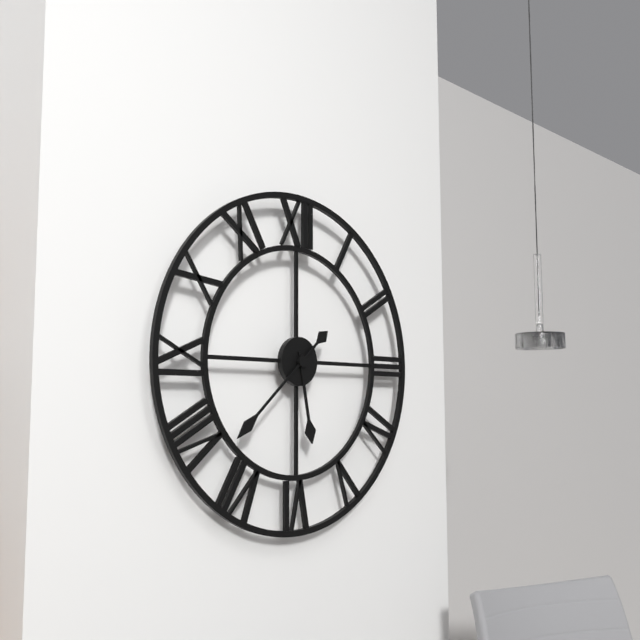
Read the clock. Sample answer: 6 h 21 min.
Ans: 5 h 38 min
